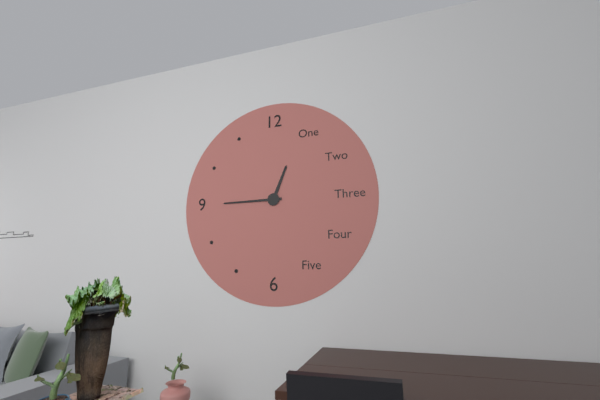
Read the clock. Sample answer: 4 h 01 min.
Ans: 12 h 45 min
